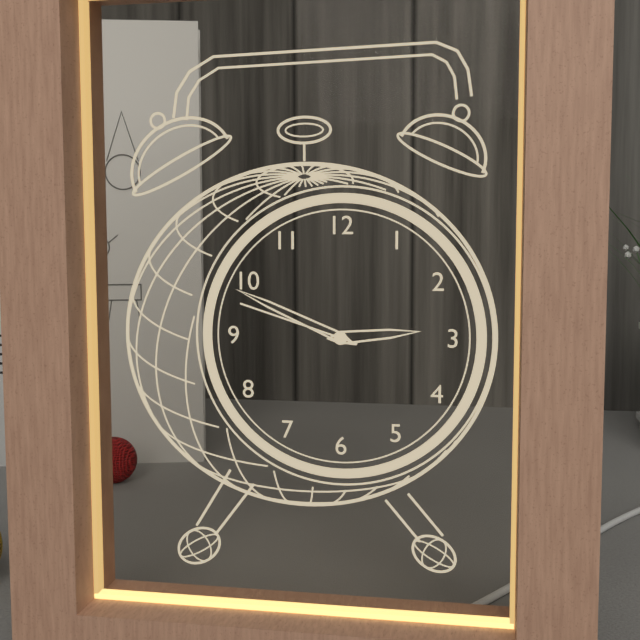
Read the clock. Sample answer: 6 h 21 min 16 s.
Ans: 2 h 49 min 48 s
